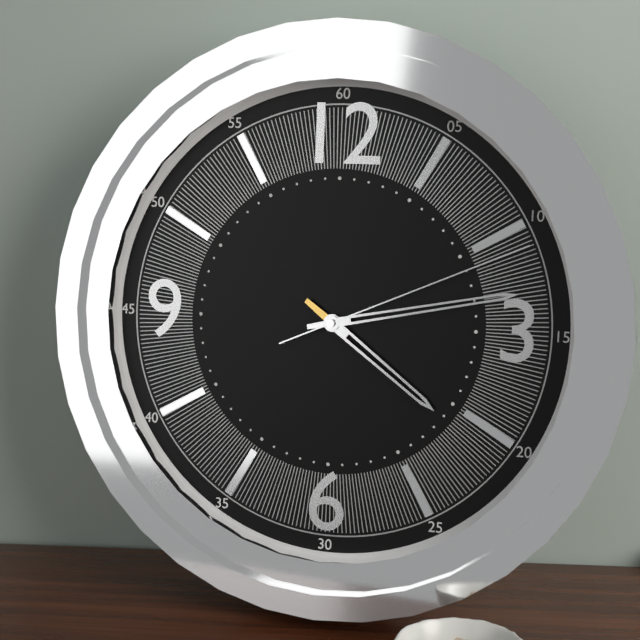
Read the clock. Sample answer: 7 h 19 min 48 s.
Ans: 4 h 13 min 11 s
